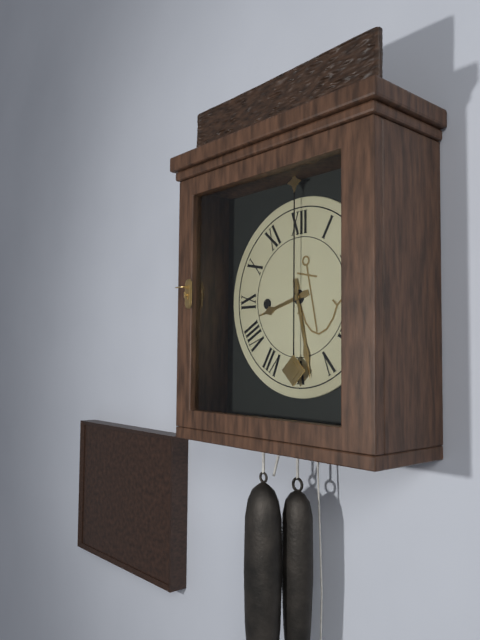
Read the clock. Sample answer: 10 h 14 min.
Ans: 8 h 28 min
